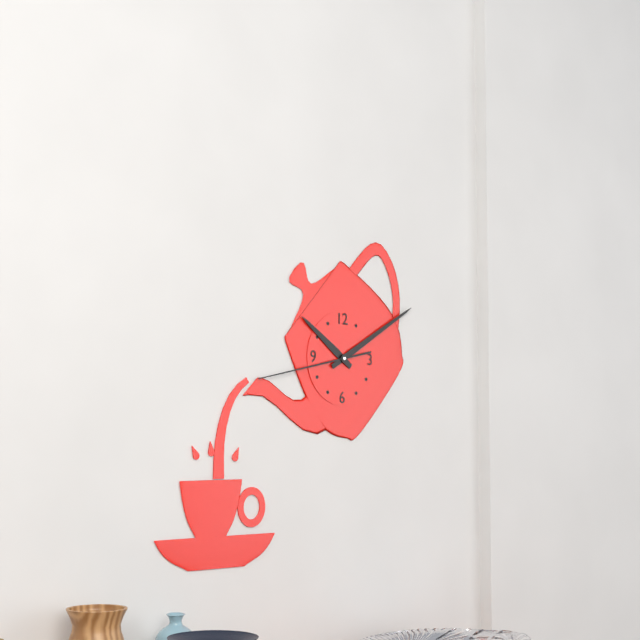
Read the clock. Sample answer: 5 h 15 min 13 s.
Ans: 10 h 10 min 43 s
